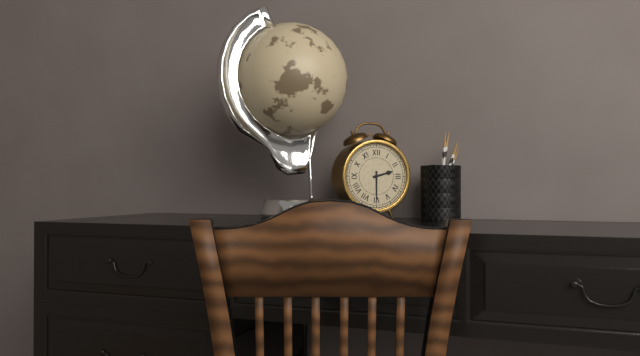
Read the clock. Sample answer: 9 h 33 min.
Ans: 2 h 30 min
